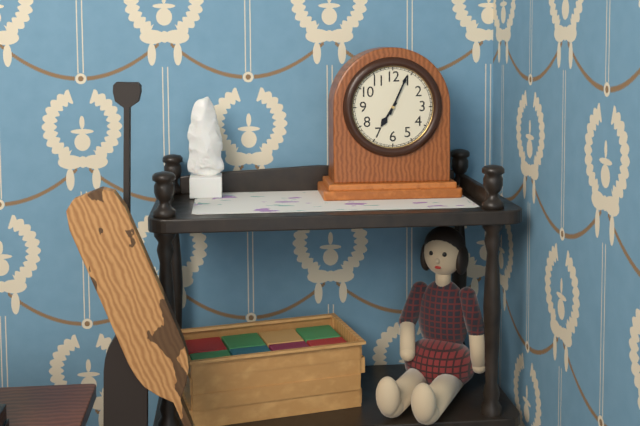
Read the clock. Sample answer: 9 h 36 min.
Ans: 7 h 04 min
